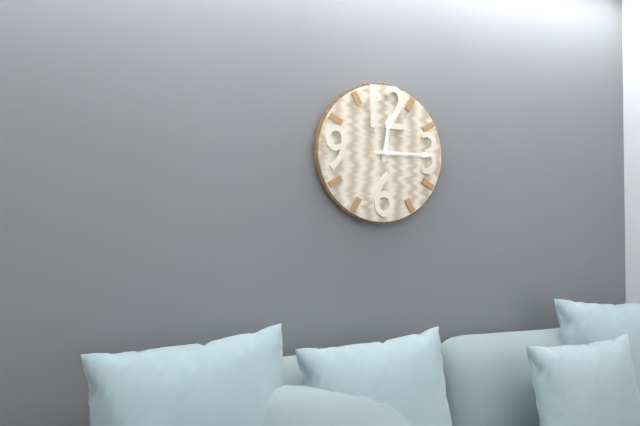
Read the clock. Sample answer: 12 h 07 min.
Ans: 12 h 15 min
